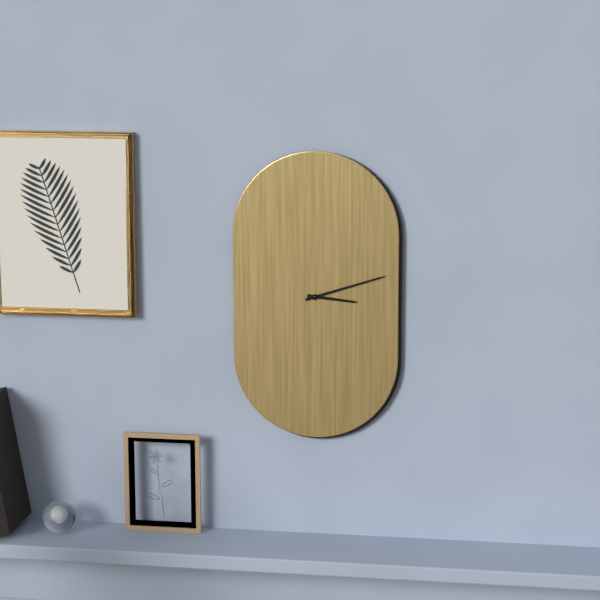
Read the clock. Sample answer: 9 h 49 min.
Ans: 3 h 12 min
